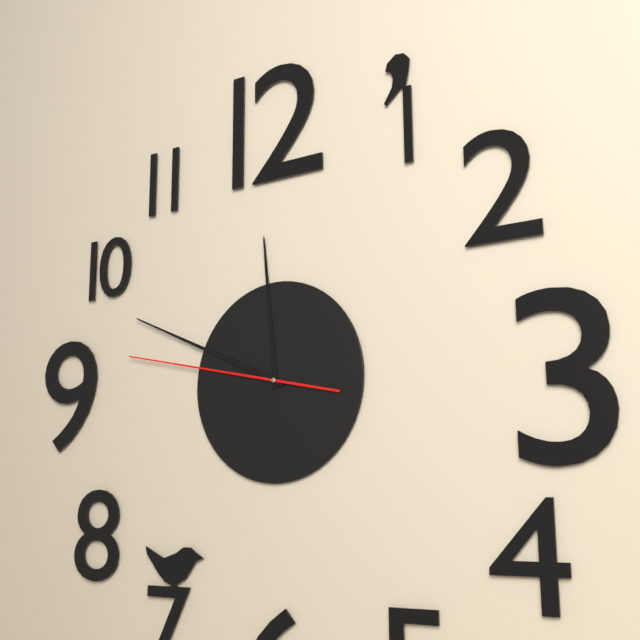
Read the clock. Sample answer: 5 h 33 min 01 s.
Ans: 11 h 49 min 47 s
